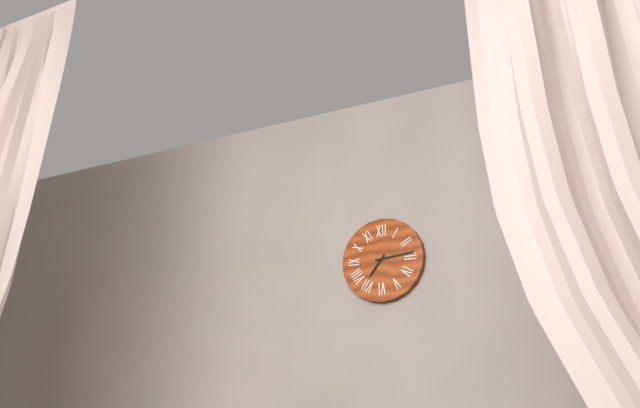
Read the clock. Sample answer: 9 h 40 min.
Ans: 7 h 14 min
